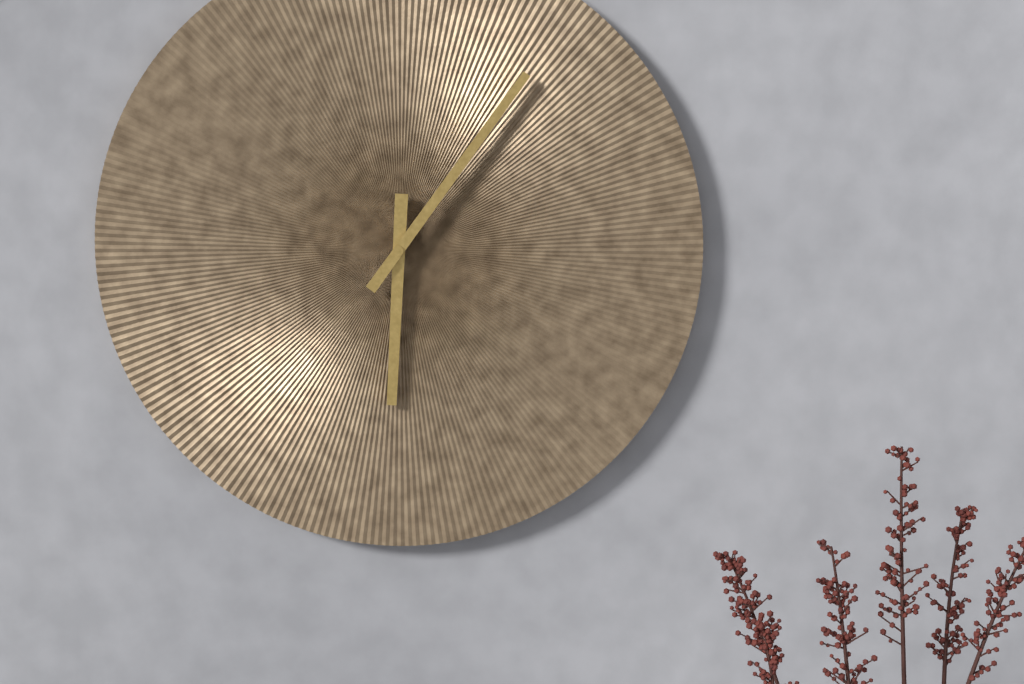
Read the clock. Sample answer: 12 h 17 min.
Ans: 6 h 06 min
